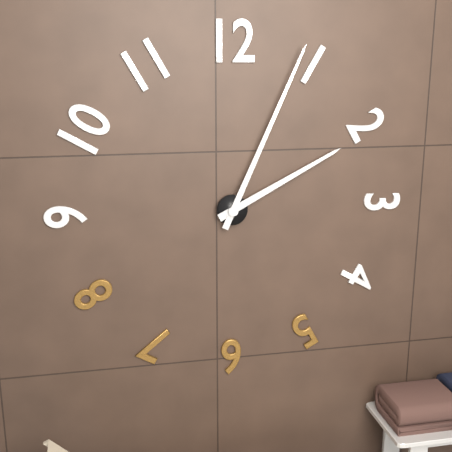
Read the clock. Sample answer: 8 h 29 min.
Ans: 2 h 04 min
